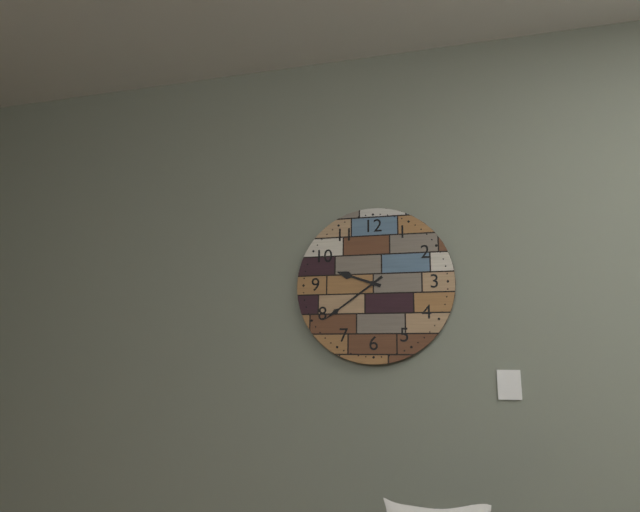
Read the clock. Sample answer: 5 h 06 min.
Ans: 9 h 39 min
